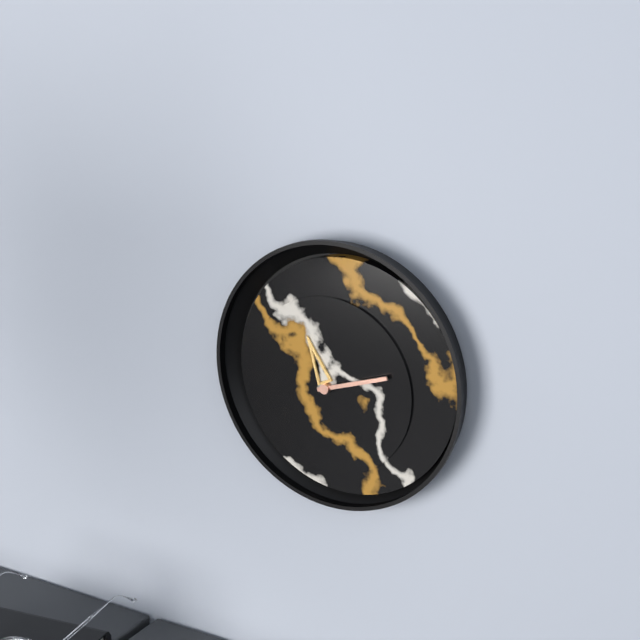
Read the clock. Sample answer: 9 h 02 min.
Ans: 11 h 12 min
